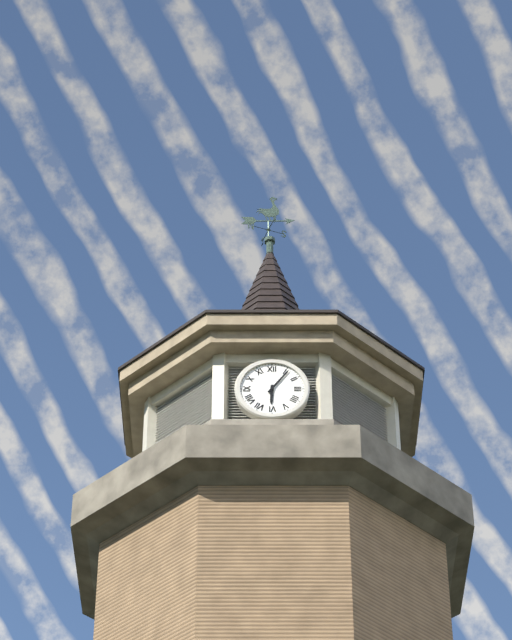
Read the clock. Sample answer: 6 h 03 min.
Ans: 6 h 06 min
